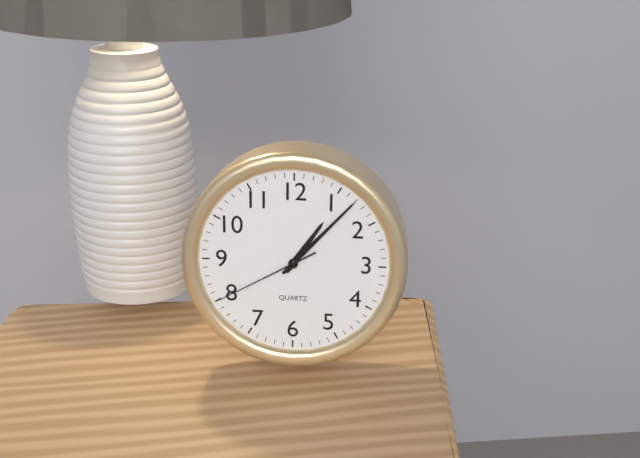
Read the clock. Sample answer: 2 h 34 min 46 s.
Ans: 1 h 07 min 40 s
